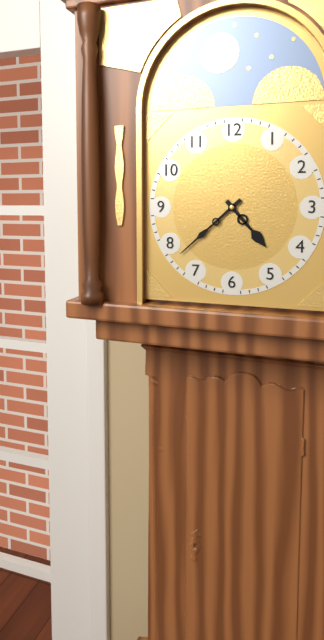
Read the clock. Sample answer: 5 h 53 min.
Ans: 4 h 38 min
